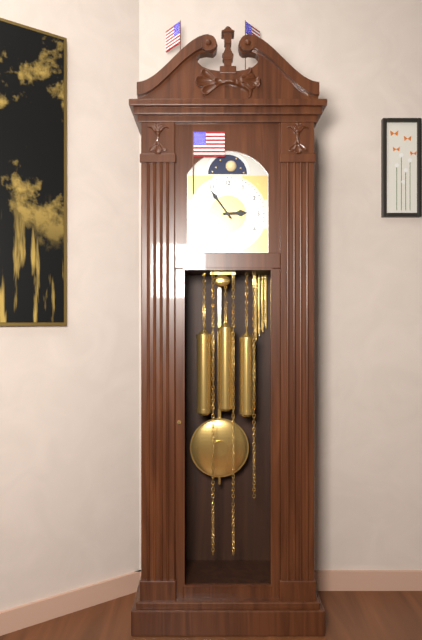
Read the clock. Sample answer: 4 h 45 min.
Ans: 2 h 54 min
